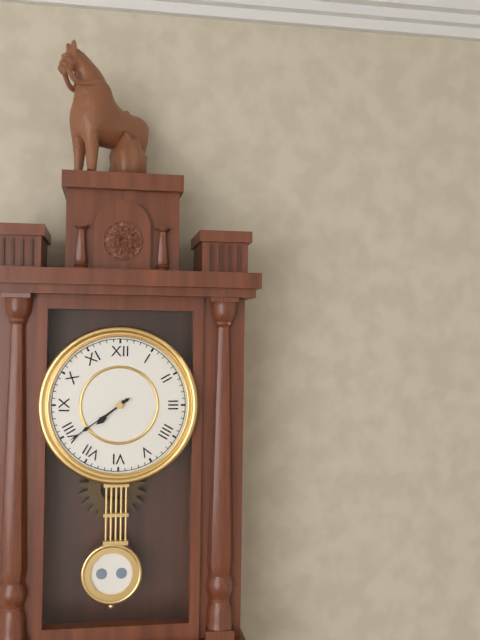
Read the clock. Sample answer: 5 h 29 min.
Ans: 7 h 39 min
